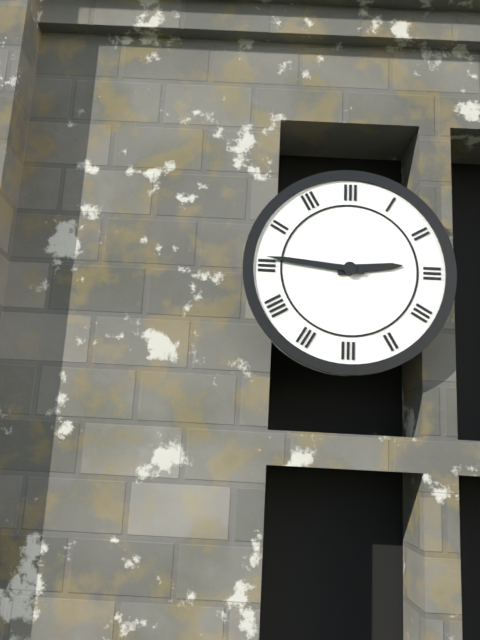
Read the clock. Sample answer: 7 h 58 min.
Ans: 2 h 46 min
